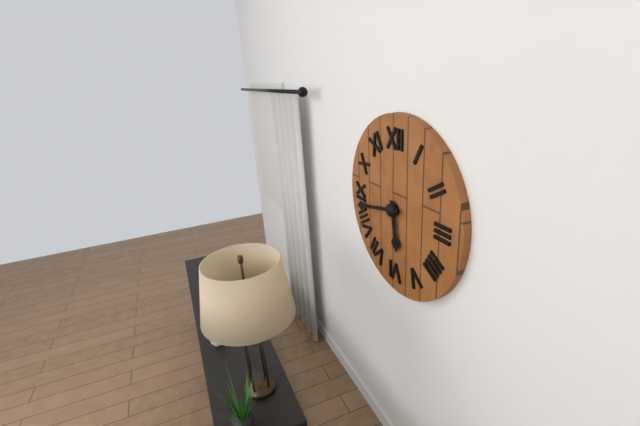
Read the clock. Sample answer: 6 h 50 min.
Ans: 5 h 43 min
